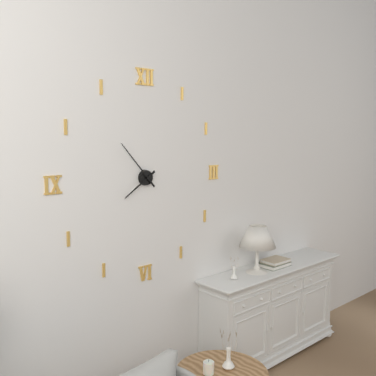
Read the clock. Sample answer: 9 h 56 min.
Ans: 7 h 53 min
